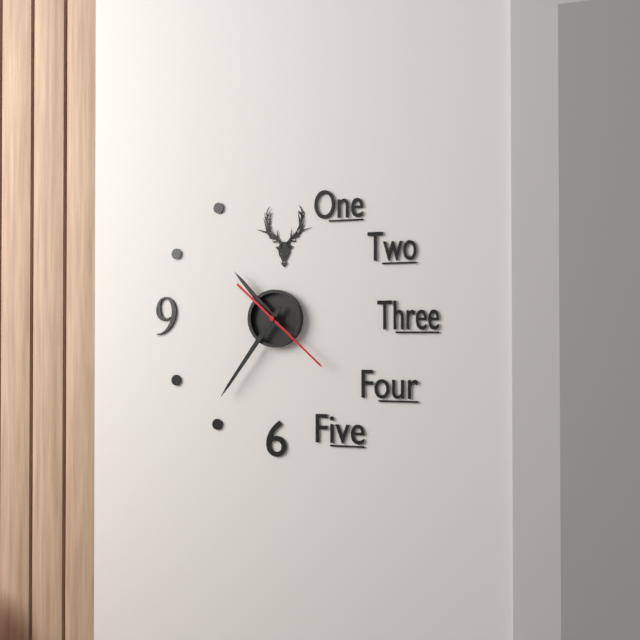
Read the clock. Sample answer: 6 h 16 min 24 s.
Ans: 10 h 36 min 22 s
